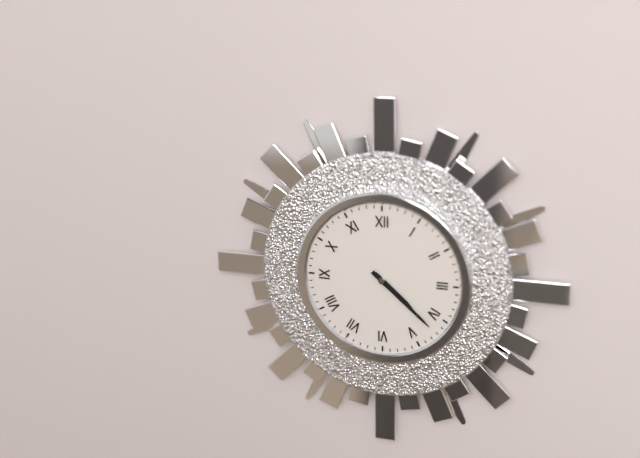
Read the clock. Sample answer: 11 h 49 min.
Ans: 4 h 22 min
